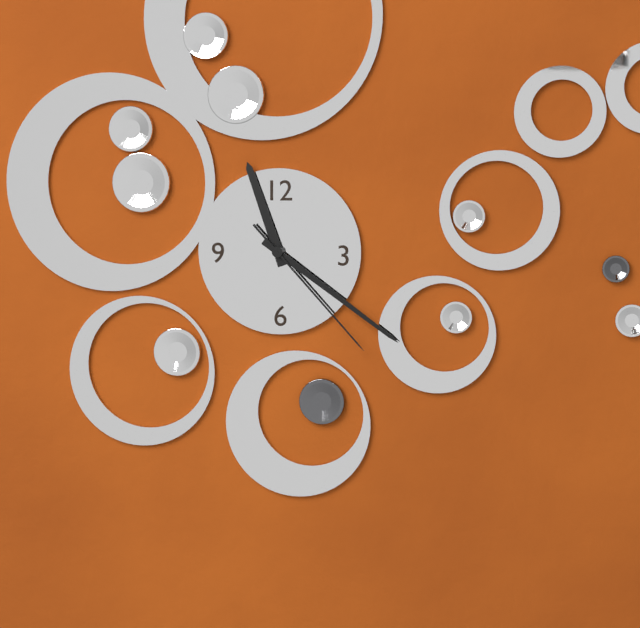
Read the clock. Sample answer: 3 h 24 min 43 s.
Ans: 11 h 21 min 23 s
